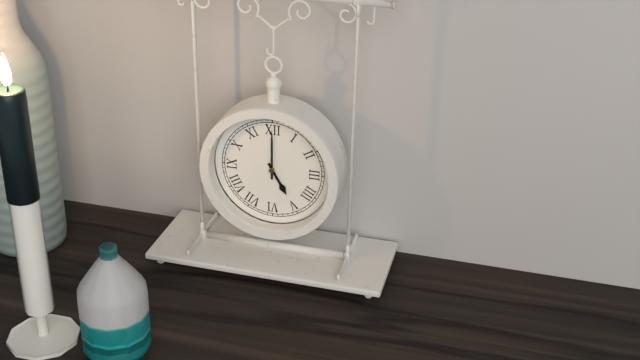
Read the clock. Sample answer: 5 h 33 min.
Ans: 5 h 00 min
